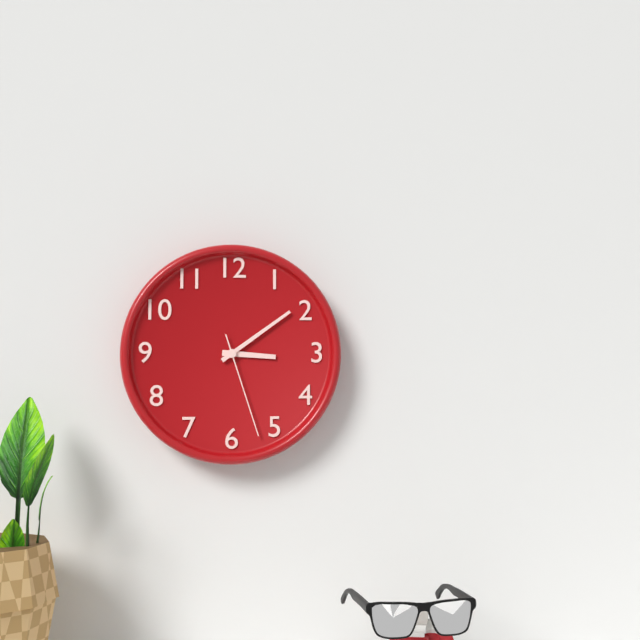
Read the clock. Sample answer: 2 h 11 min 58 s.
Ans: 3 h 09 min 27 s
